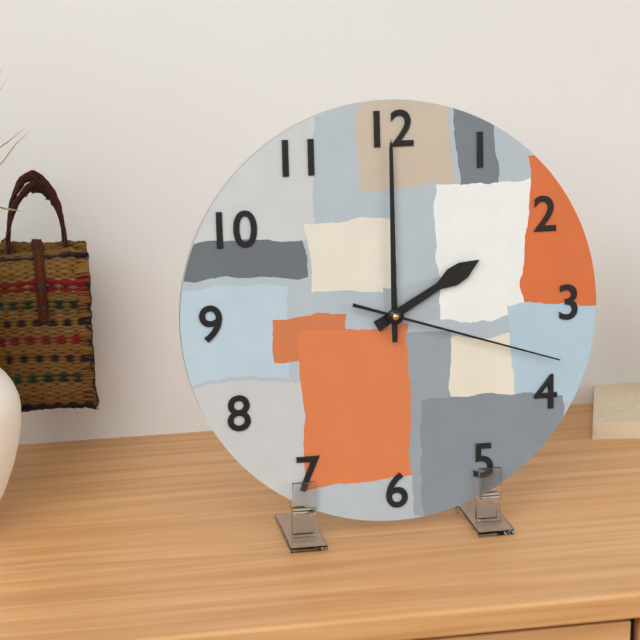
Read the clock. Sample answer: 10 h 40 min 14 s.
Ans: 2 h 00 min 18 s
